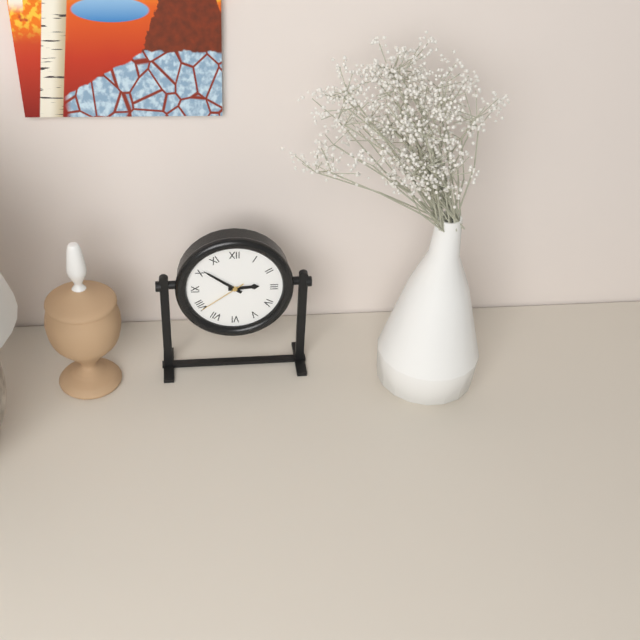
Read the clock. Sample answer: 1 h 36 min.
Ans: 2 h 51 min
